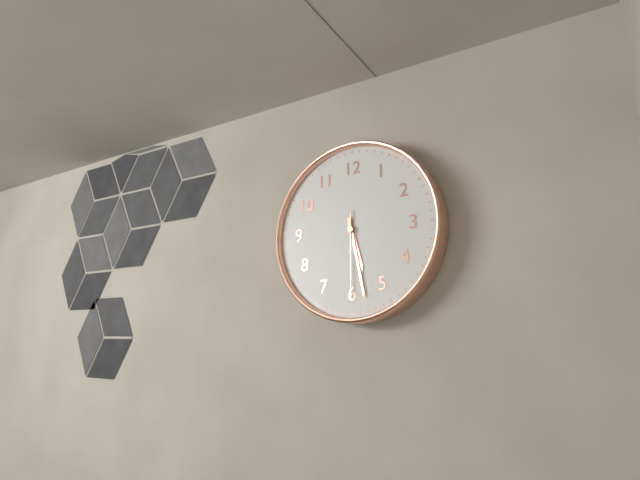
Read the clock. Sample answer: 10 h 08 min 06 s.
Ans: 5 h 28 min 30 s
